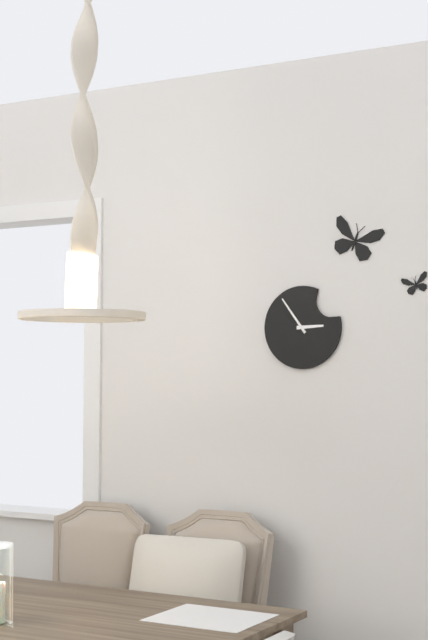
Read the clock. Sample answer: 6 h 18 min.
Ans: 2 h 54 min
